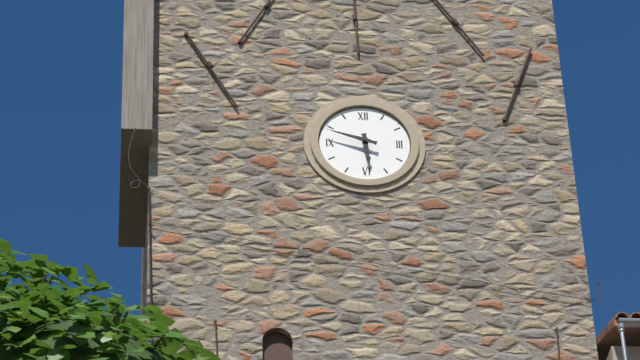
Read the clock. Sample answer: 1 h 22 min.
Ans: 5 h 48 min
